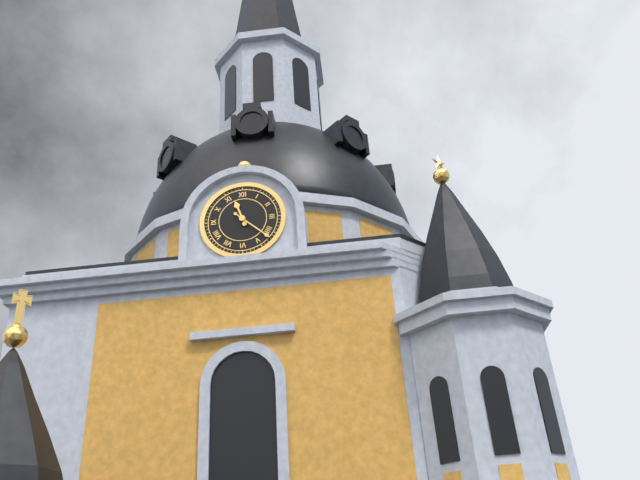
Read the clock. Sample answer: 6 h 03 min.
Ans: 11 h 22 min
